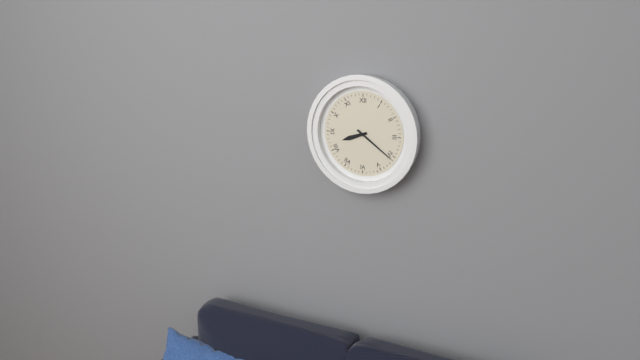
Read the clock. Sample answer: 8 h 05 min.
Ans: 8 h 21 min
